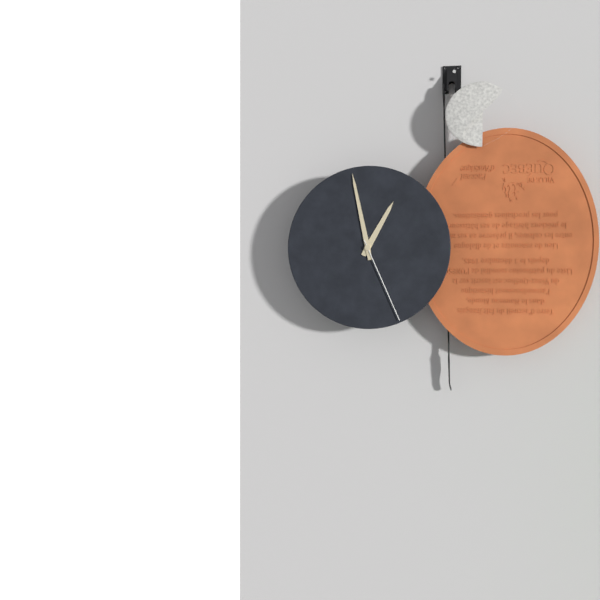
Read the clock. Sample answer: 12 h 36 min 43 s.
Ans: 12 h 58 min 26 s
